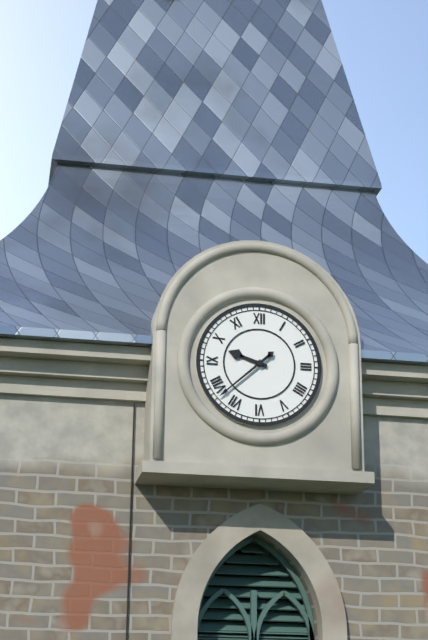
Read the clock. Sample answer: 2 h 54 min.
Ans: 9 h 38 min
